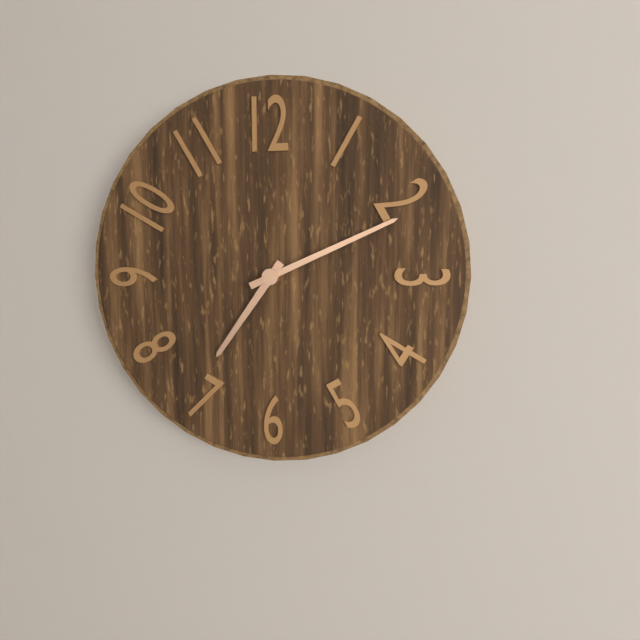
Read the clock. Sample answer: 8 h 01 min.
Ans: 7 h 11 min
